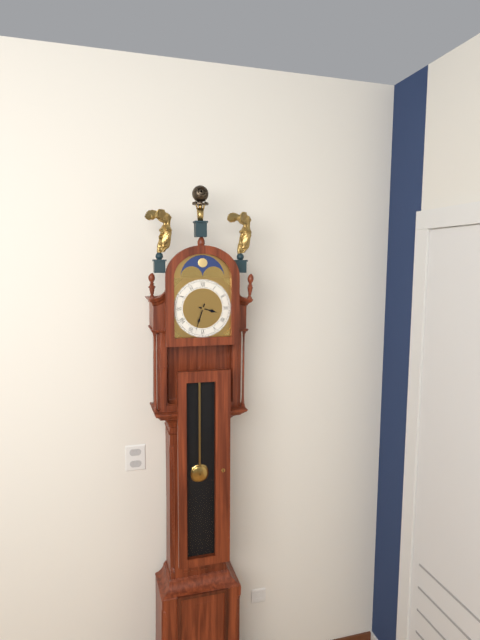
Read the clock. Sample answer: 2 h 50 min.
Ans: 3 h 33 min
